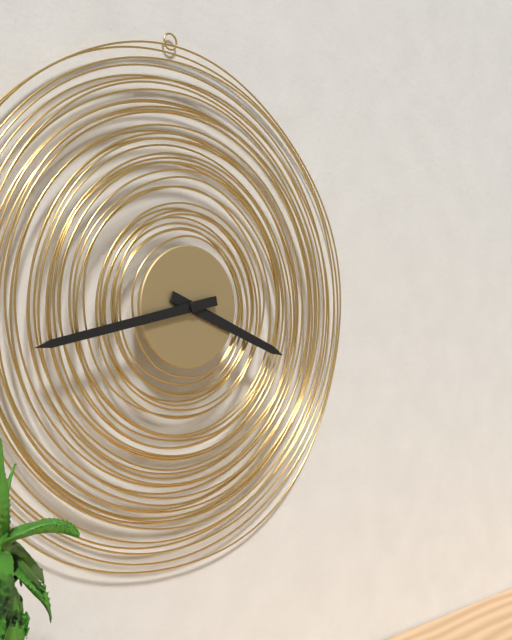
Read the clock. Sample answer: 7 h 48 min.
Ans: 3 h 43 min
